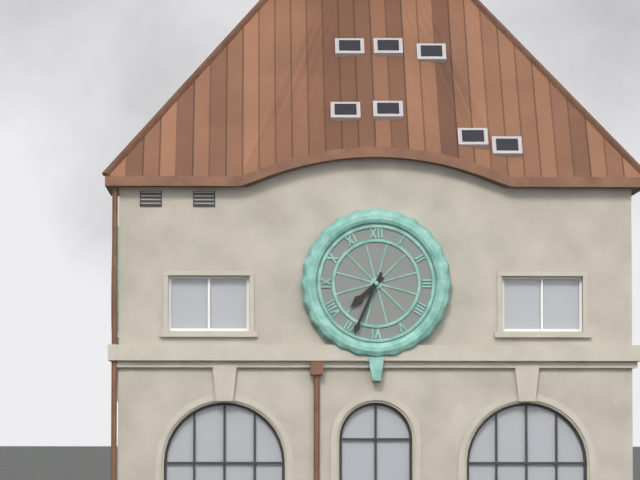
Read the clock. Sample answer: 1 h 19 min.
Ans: 7 h 34 min
